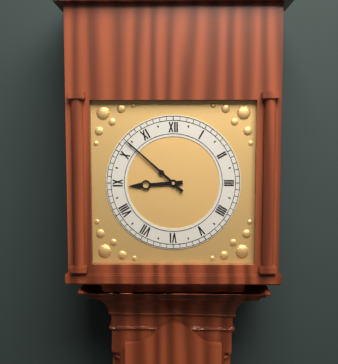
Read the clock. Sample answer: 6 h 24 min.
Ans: 8 h 52 min
